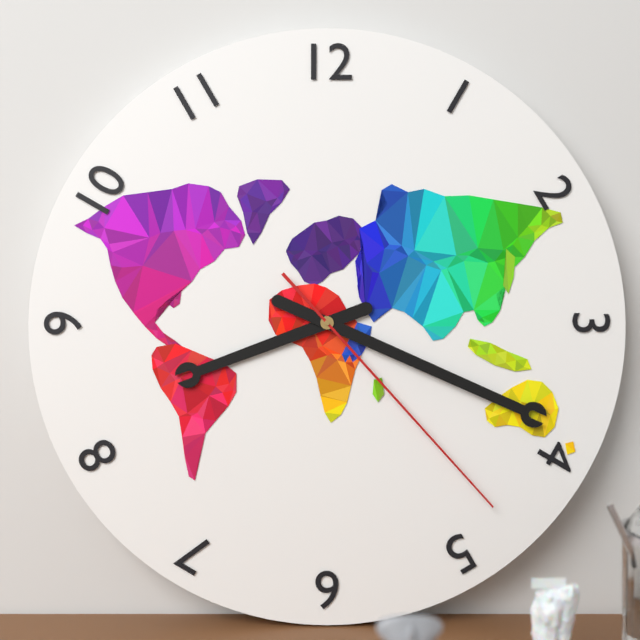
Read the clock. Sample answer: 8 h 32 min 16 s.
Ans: 8 h 19 min 23 s
